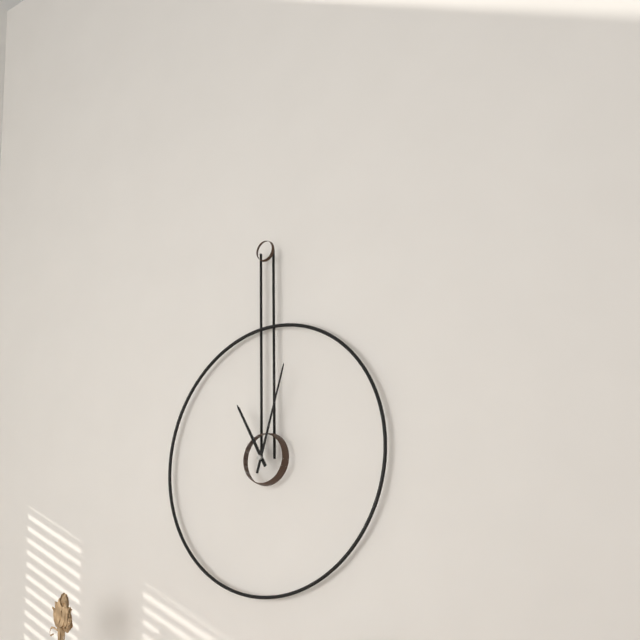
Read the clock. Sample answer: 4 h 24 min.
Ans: 11 h 03 min
